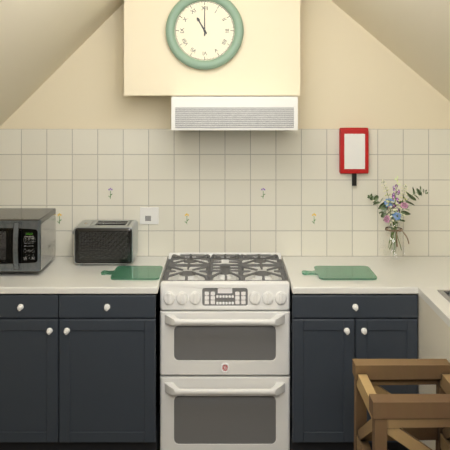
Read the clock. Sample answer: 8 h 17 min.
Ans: 11 h 00 min
